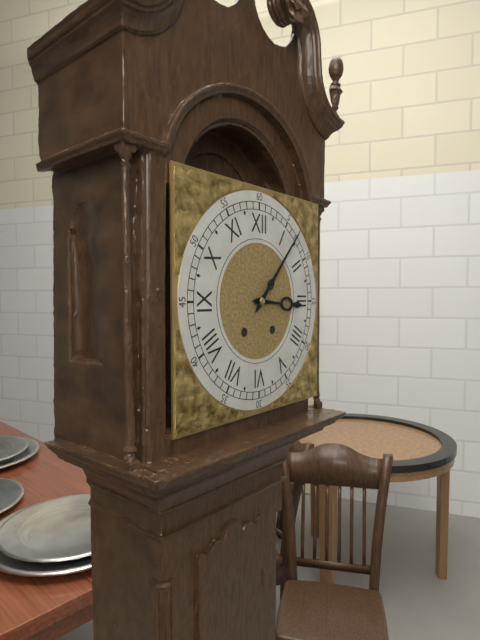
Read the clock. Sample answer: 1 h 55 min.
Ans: 3 h 07 min
